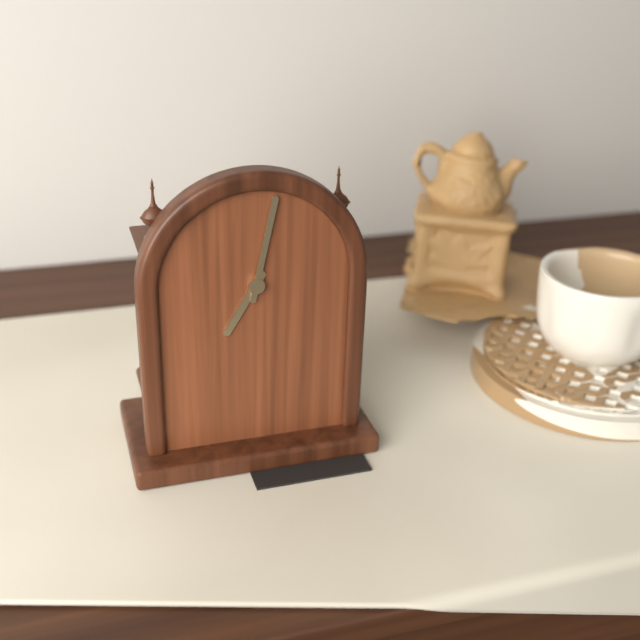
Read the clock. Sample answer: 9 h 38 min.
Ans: 7 h 02 min
